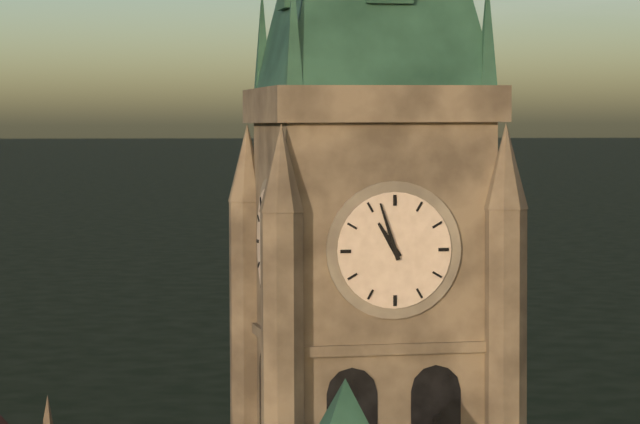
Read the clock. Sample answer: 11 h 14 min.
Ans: 10 h 57 min
